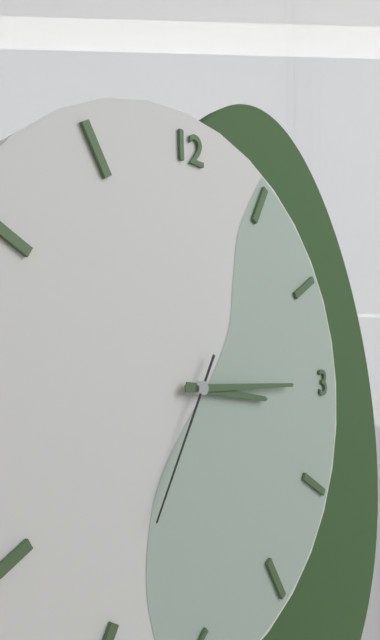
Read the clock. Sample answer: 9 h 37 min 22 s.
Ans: 3 h 15 min 35 s
